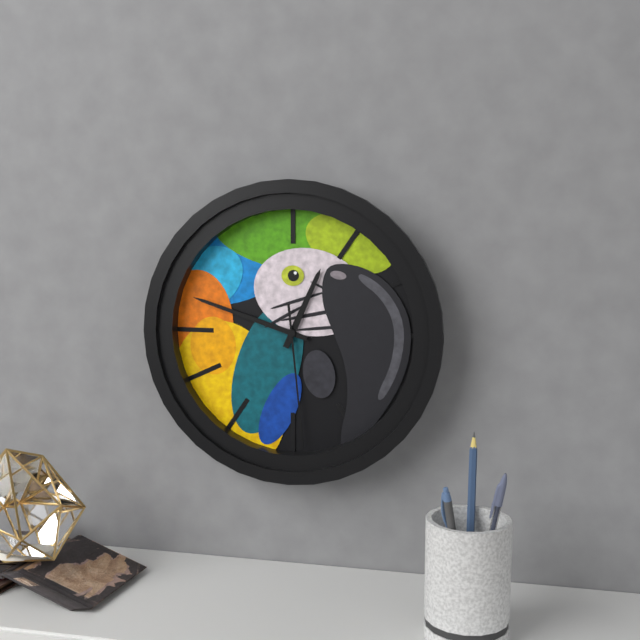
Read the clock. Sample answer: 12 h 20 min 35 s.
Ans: 12 h 48 min 29 s
